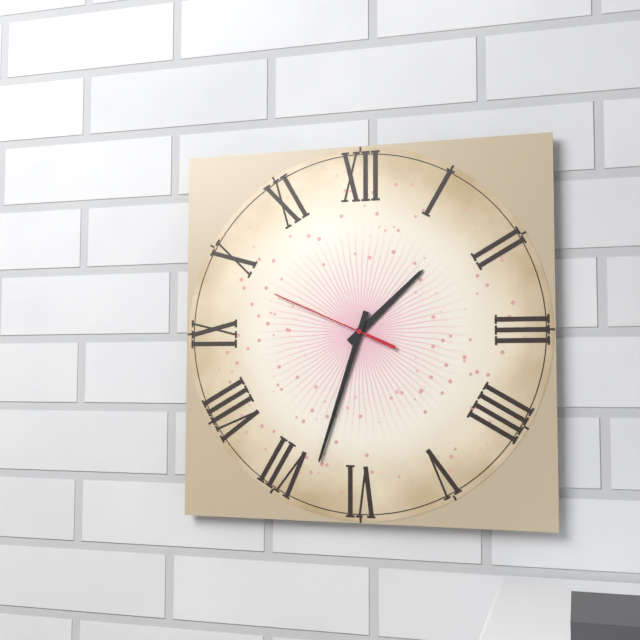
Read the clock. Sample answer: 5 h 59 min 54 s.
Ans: 1 h 33 min 49 s
